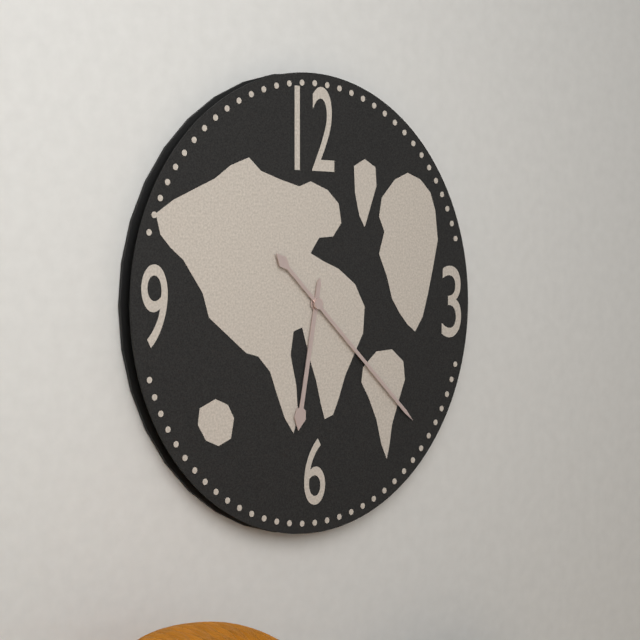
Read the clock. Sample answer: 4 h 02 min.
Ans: 6 h 22 min
